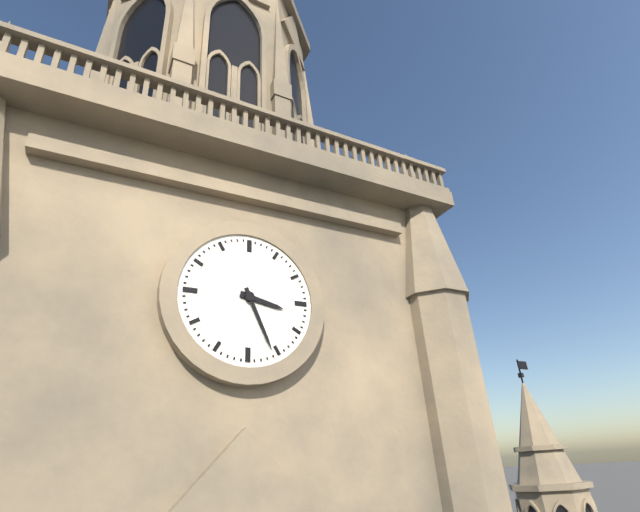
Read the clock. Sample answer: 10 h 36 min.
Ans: 3 h 26 min
